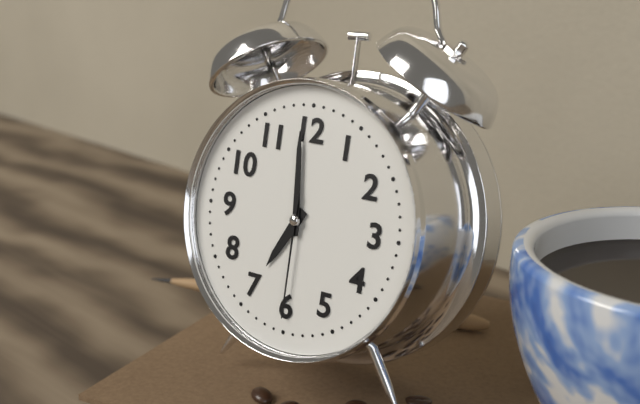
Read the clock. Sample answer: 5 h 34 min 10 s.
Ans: 6 h 59 min 30 s
